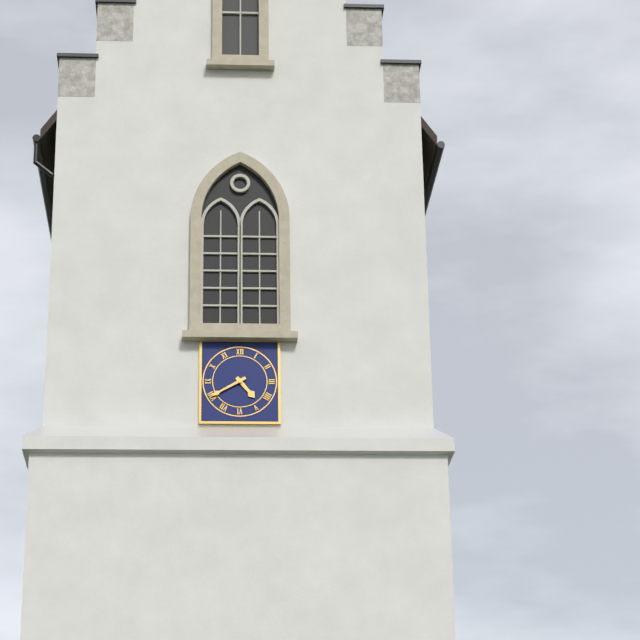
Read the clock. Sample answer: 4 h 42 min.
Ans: 4 h 40 min
